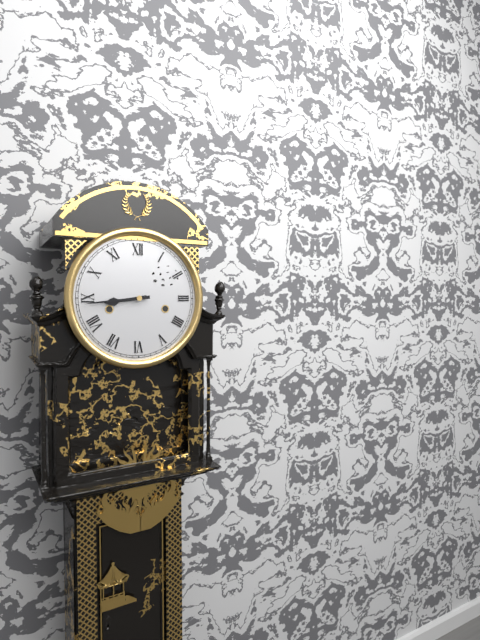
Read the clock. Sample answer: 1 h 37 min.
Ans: 8 h 44 min
